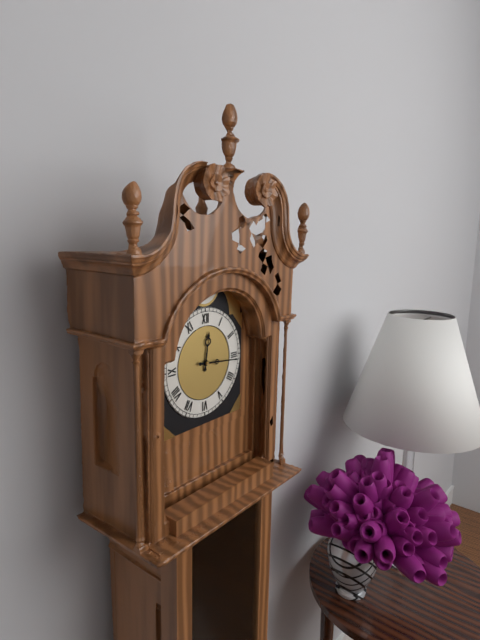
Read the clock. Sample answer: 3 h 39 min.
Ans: 12 h 16 min
